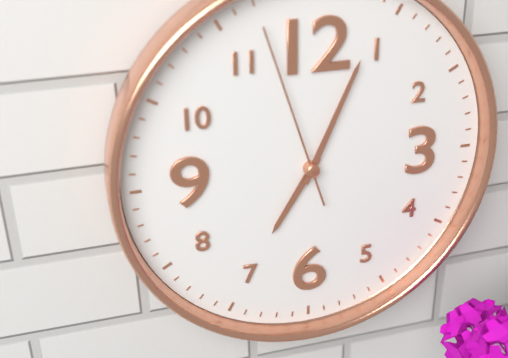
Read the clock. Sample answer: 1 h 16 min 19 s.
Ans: 7 h 04 min 57 s
